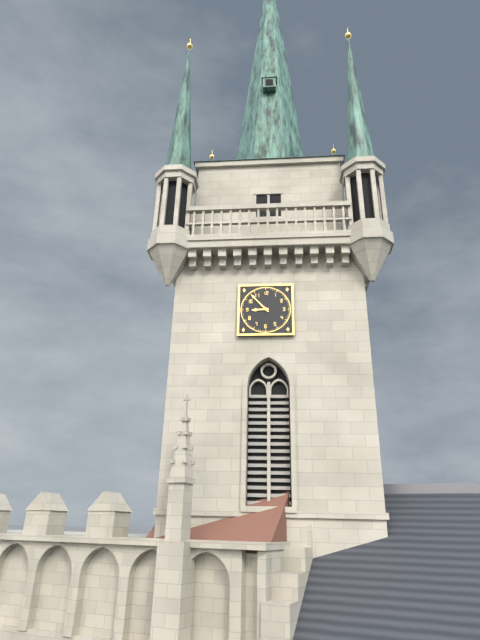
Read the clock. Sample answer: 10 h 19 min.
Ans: 8 h 53 min
